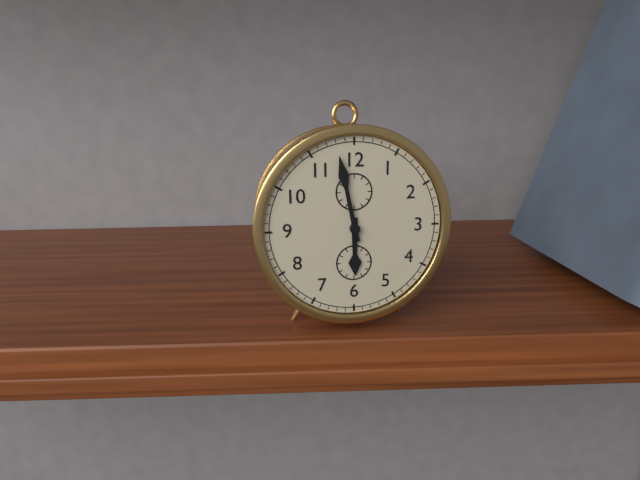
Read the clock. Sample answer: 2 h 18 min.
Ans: 5 h 58 min
